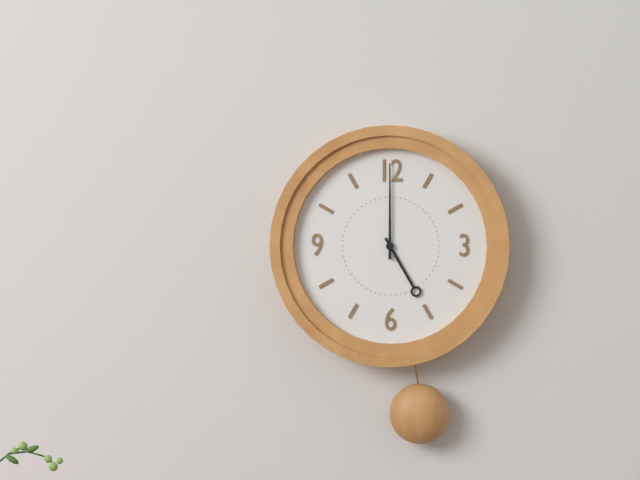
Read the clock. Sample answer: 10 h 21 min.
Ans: 5 h 00 min
